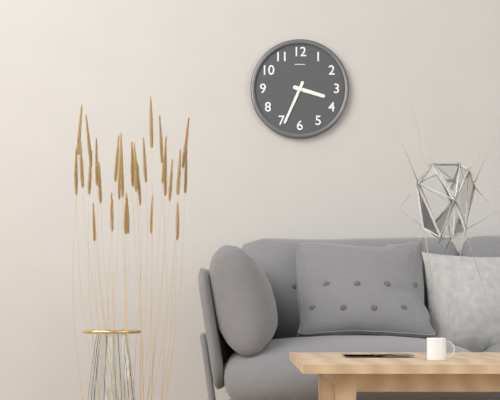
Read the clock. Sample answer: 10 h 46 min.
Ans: 3 h 34 min
